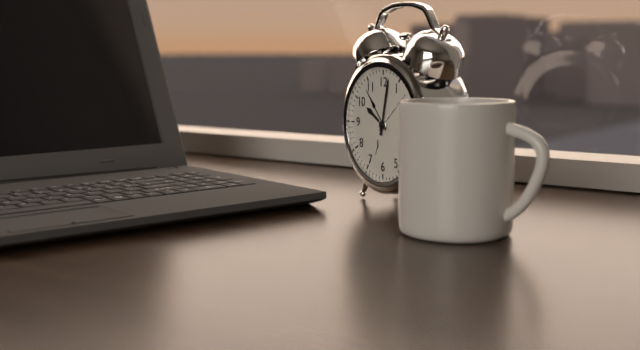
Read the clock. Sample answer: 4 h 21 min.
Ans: 10 h 02 min
